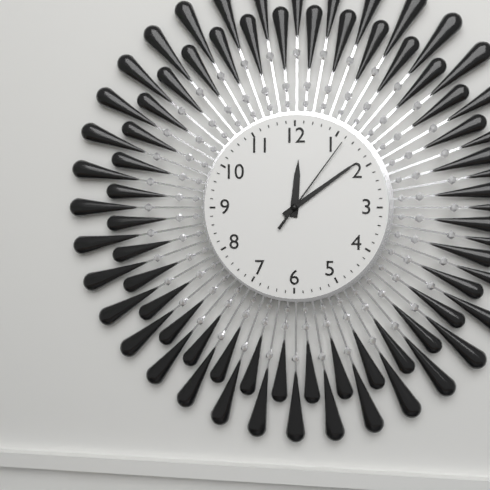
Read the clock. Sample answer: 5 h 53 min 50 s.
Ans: 12 h 09 min 06 s
